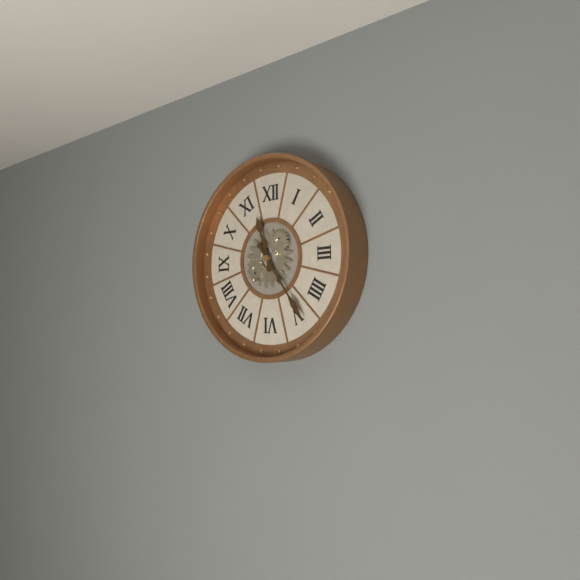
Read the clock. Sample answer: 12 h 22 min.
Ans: 11 h 24 min
